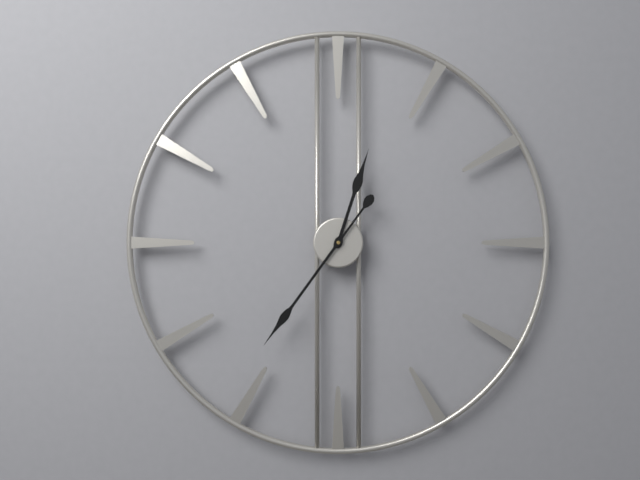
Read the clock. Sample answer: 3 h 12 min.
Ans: 12 h 36 min
